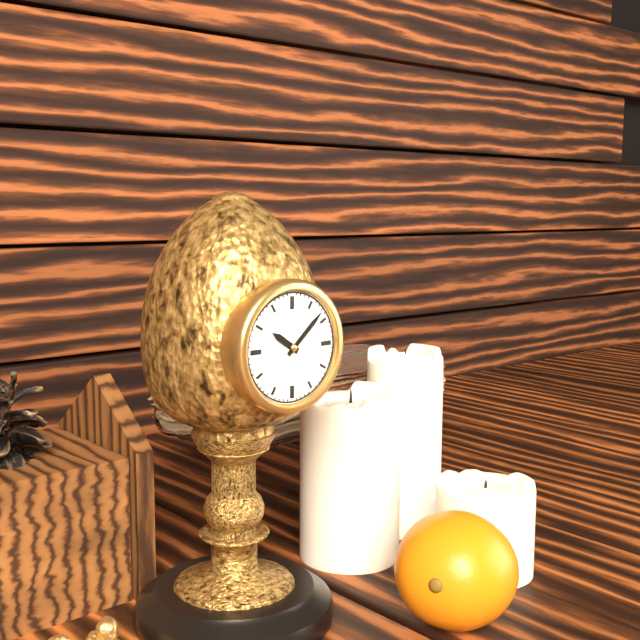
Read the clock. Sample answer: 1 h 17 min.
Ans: 10 h 08 min
